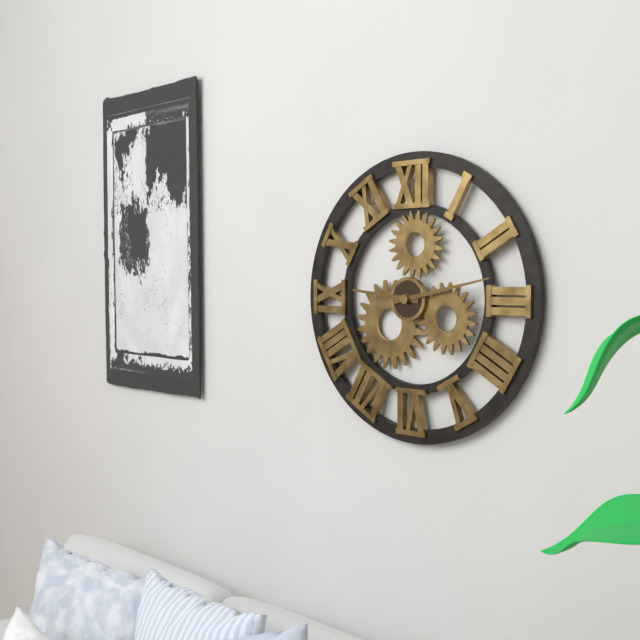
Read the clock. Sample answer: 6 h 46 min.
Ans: 9 h 13 min
